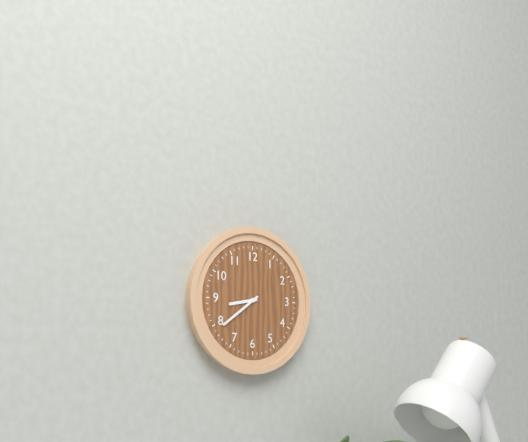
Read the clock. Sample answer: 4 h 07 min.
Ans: 8 h 39 min
